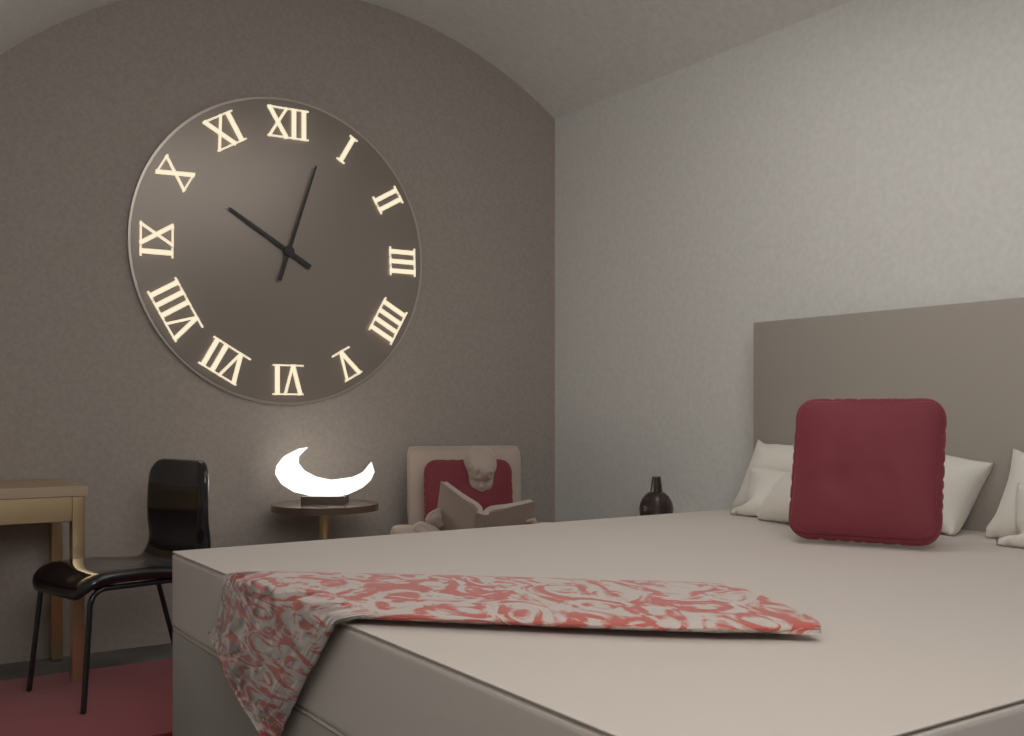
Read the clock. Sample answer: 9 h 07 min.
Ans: 10 h 03 min
